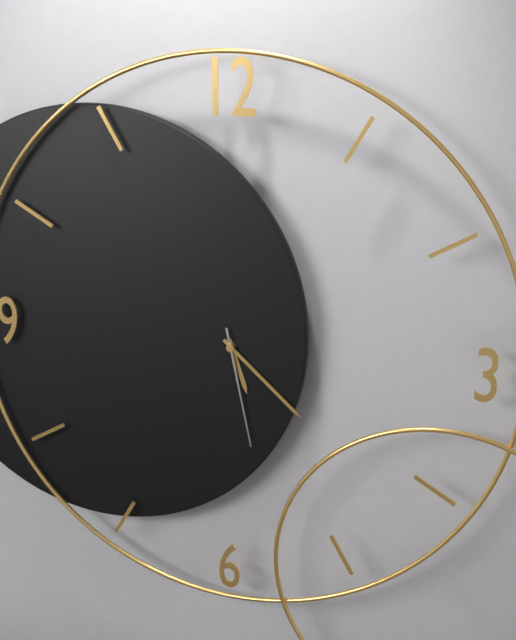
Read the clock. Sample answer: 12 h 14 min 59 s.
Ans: 5 h 22 min 28 s
